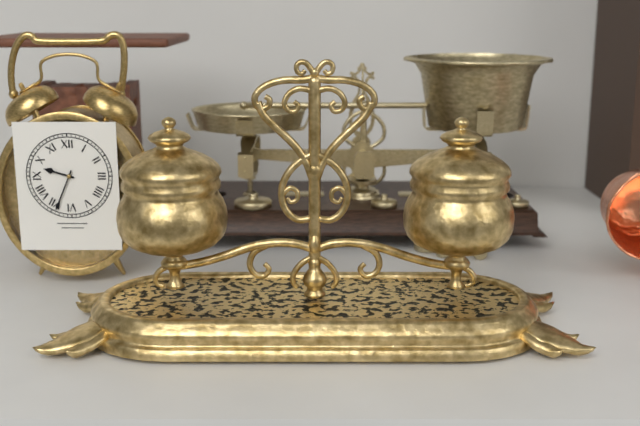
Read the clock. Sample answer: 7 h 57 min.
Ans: 9 h 34 min
